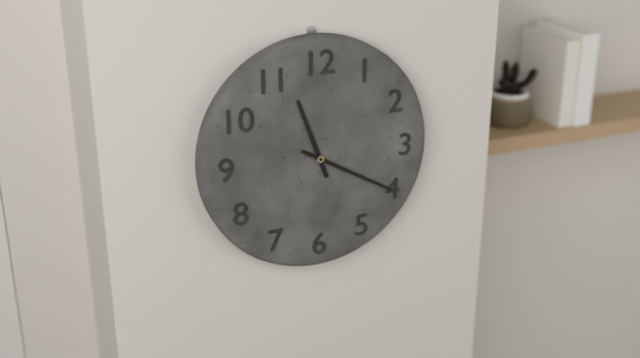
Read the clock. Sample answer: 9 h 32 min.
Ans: 11 h 20 min
